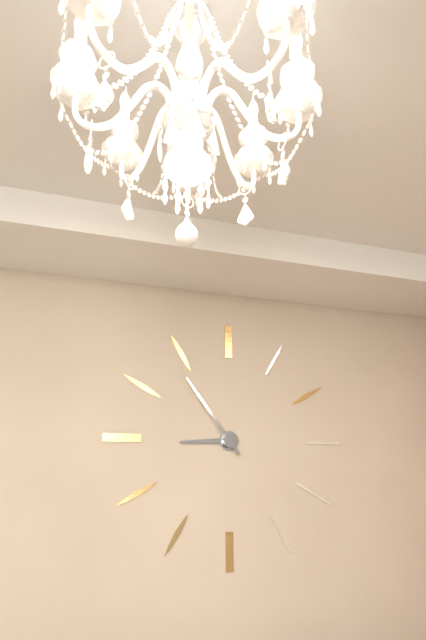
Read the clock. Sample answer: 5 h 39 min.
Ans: 8 h 54 min
